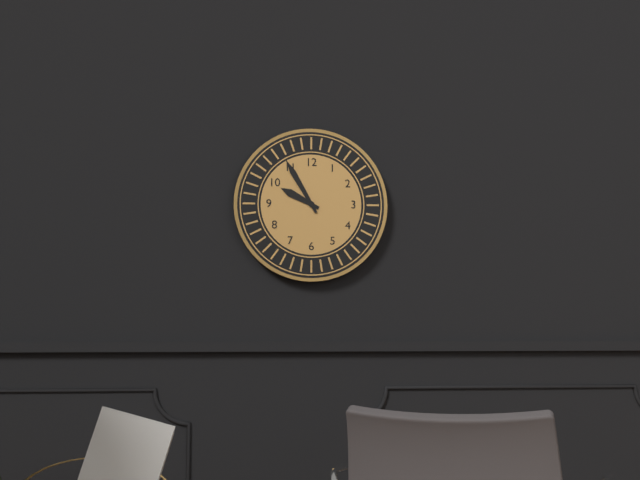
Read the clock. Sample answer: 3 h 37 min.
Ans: 9 h 55 min
